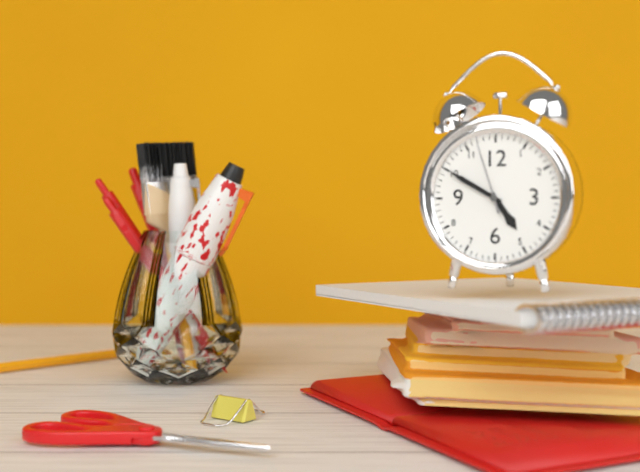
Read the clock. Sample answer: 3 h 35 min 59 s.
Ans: 4 h 50 min 57 s
